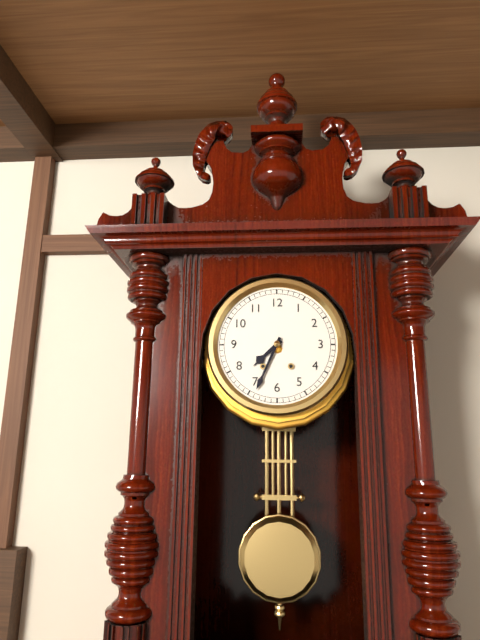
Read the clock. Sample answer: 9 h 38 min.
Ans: 7 h 34 min
